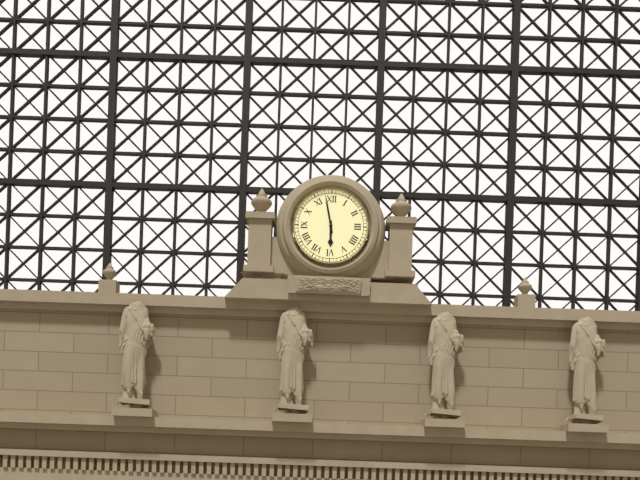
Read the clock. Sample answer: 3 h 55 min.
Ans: 5 h 58 min
